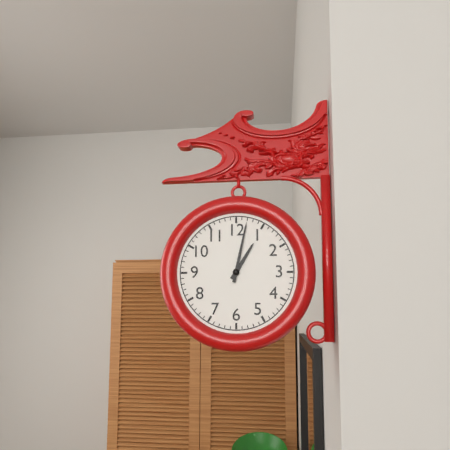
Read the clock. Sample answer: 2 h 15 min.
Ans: 1 h 02 min
